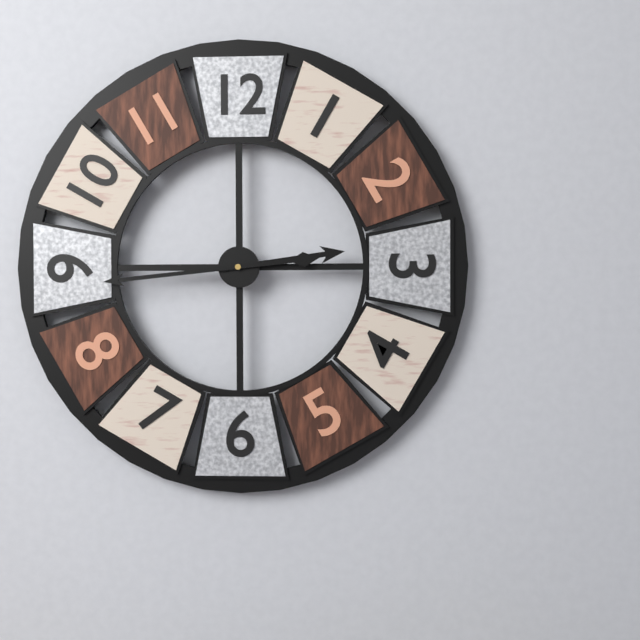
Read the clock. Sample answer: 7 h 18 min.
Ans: 2 h 44 min
